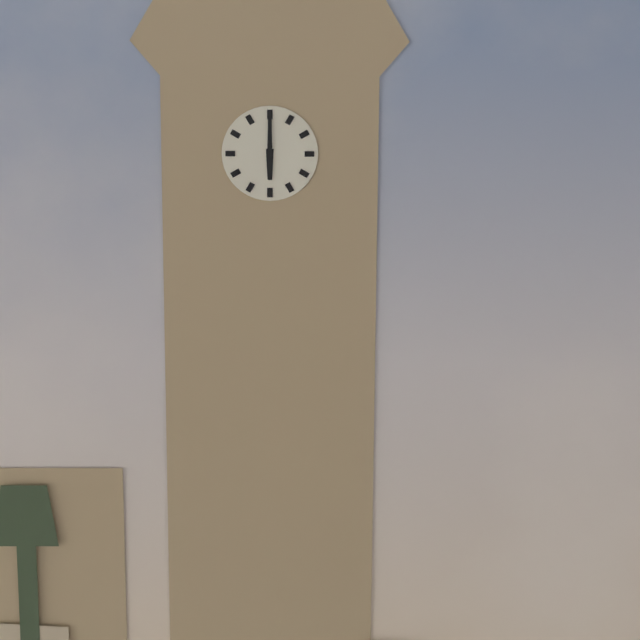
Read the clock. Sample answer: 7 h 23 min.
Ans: 6 h 00 min
